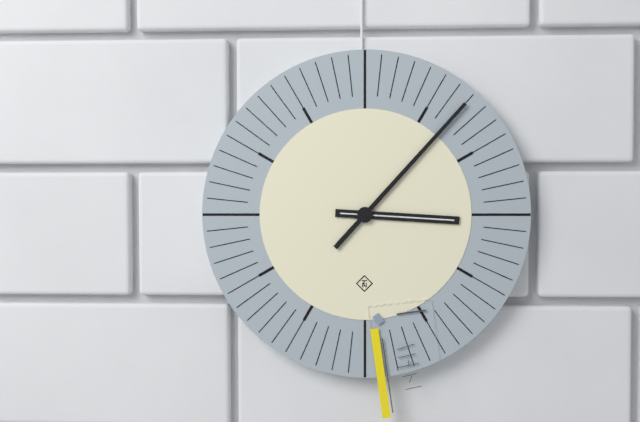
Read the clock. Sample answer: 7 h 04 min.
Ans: 3 h 07 min
